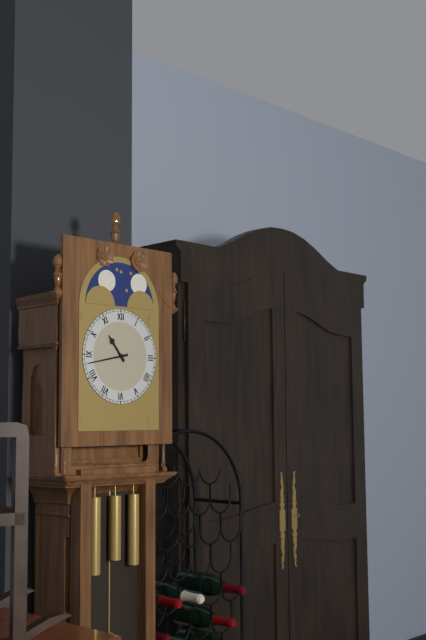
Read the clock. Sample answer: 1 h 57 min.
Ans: 10 h 43 min
